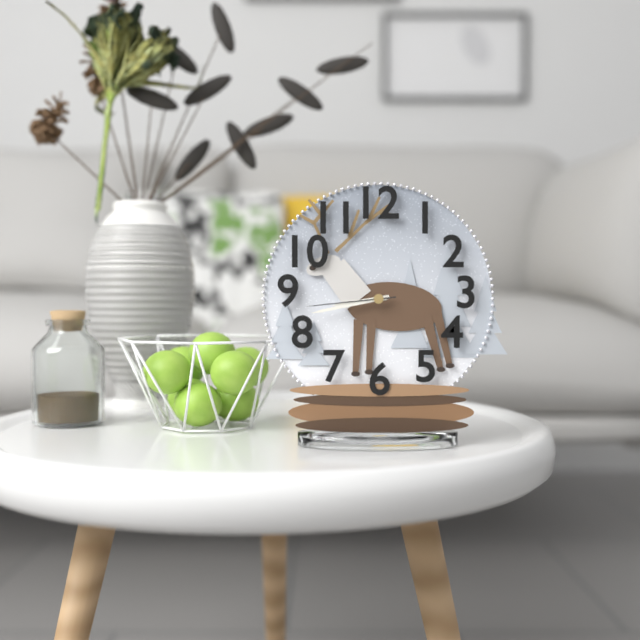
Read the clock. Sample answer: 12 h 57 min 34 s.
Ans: 8 h 43 min 44 s
